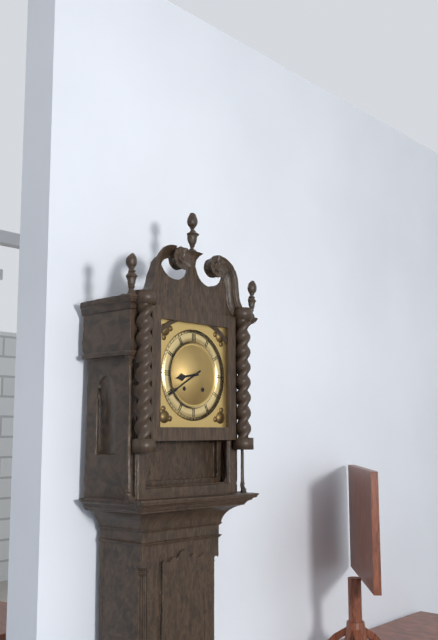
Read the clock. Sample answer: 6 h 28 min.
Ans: 8 h 40 min
